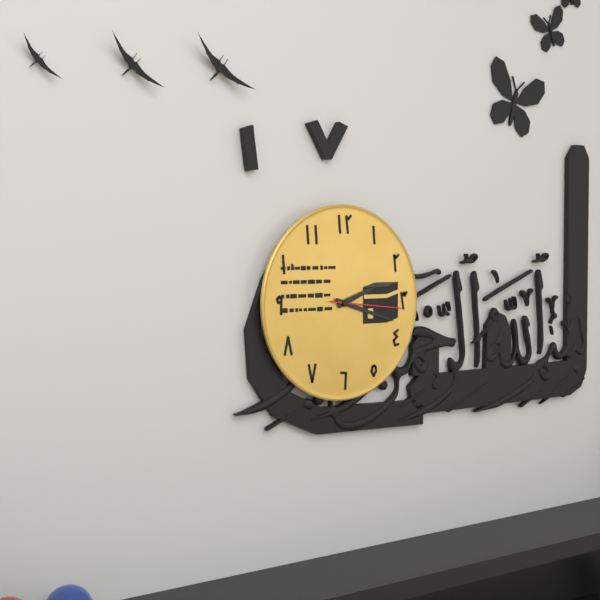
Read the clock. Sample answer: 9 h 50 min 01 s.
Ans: 2 h 18 min 16 s
